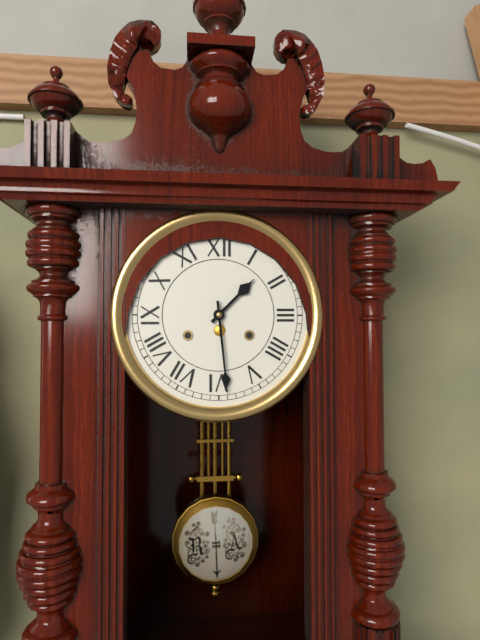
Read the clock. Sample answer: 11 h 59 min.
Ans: 1 h 29 min
